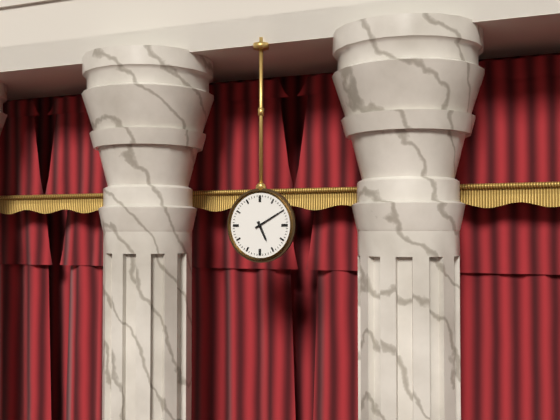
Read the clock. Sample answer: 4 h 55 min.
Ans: 5 h 10 min
